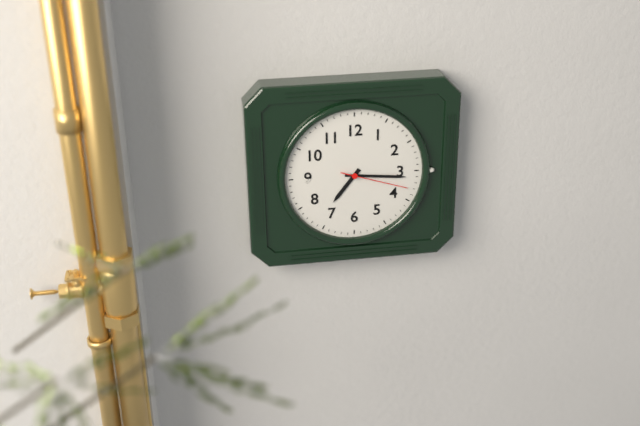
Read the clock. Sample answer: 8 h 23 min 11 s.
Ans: 7 h 16 min 18 s
